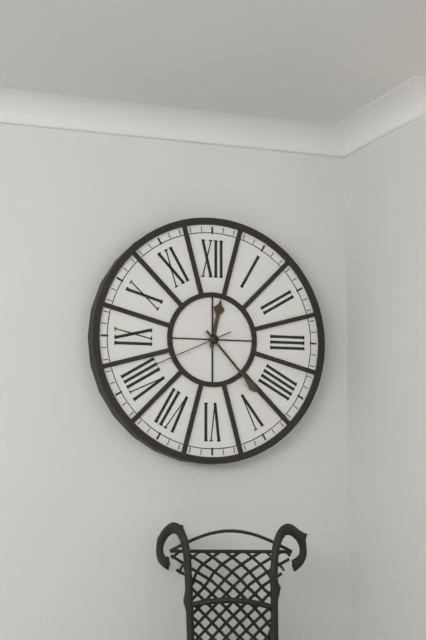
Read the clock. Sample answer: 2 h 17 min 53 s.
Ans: 12 h 23 min 41 s
